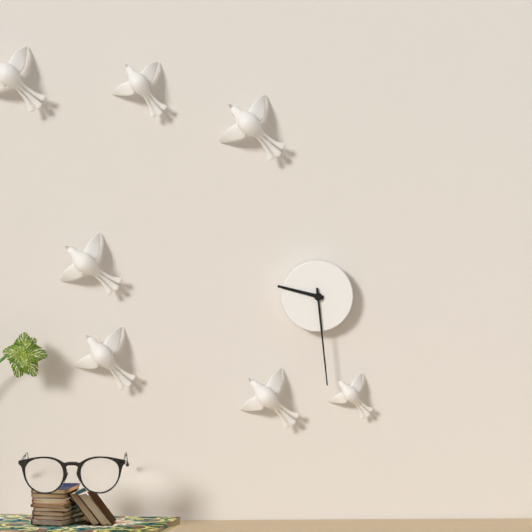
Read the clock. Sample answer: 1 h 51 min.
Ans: 9 h 29 min
